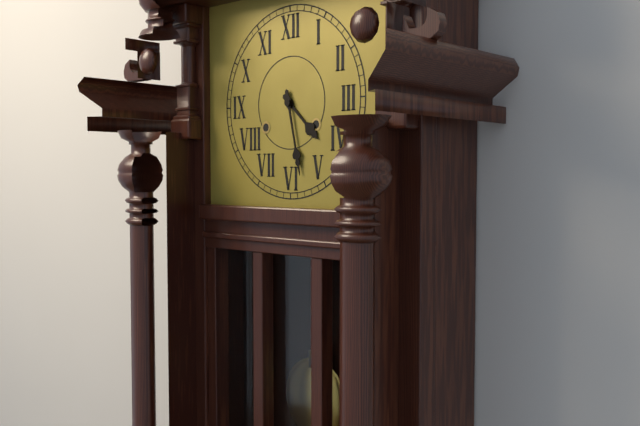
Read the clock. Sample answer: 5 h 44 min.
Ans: 4 h 28 min
